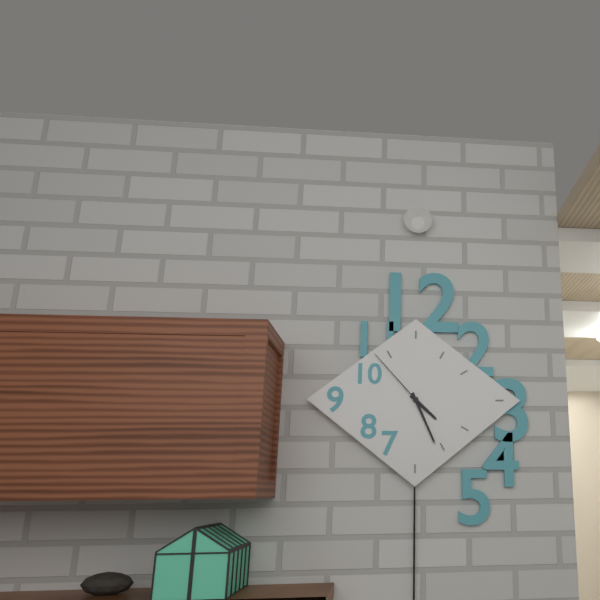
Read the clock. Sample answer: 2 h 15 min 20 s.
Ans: 4 h 26 min 53 s
